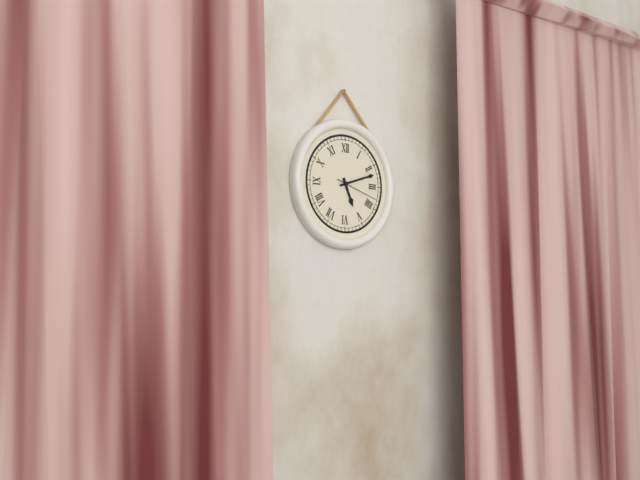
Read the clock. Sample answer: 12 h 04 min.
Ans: 5 h 12 min
